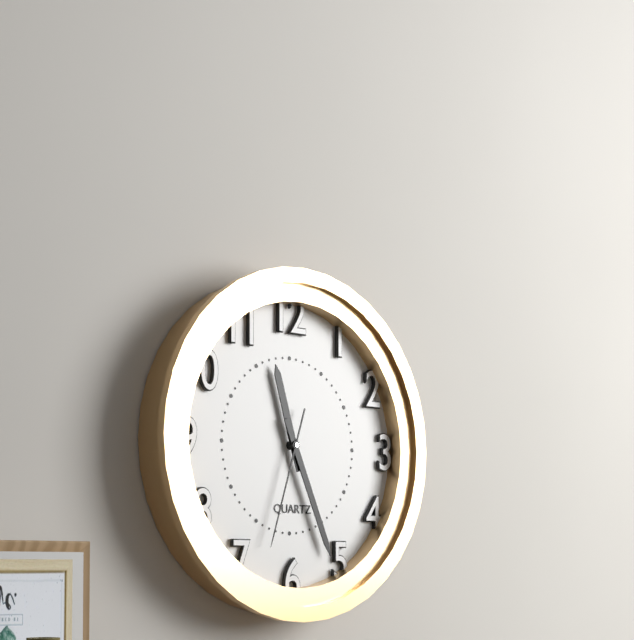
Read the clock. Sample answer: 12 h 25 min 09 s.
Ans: 11 h 26 min 33 s
